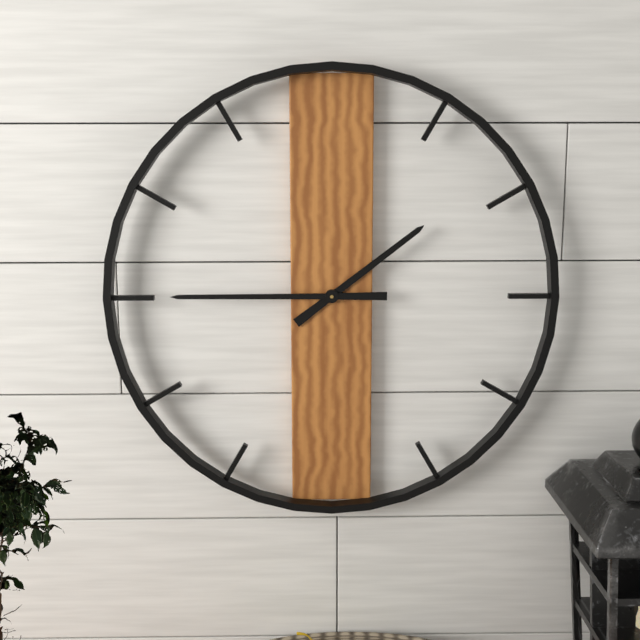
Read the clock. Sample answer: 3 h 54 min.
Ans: 1 h 45 min
